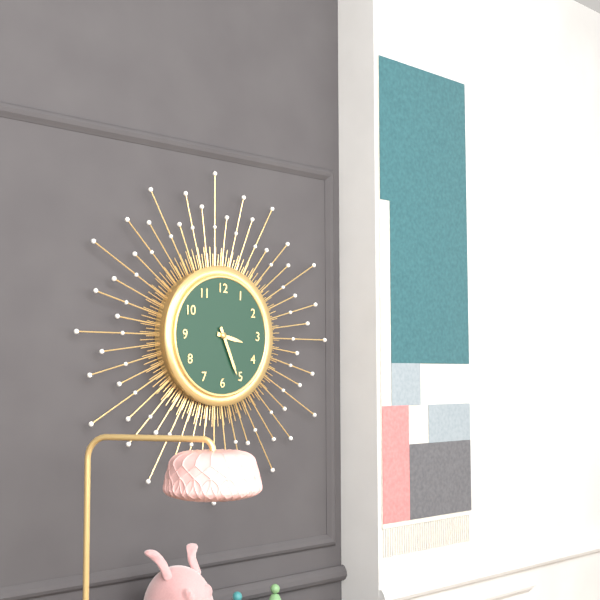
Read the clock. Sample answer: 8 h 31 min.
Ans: 3 h 26 min
